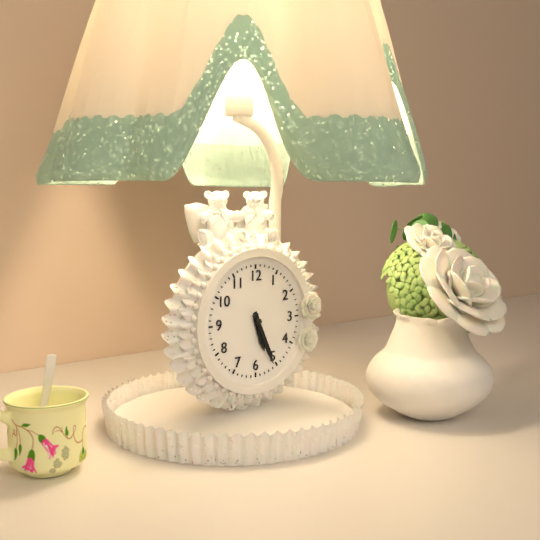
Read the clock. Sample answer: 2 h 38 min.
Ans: 5 h 26 min
